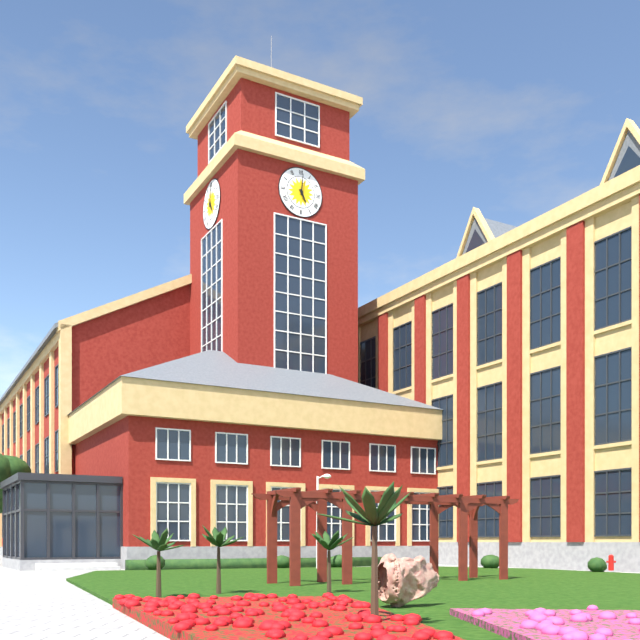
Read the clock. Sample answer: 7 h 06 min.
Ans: 5 h 01 min
